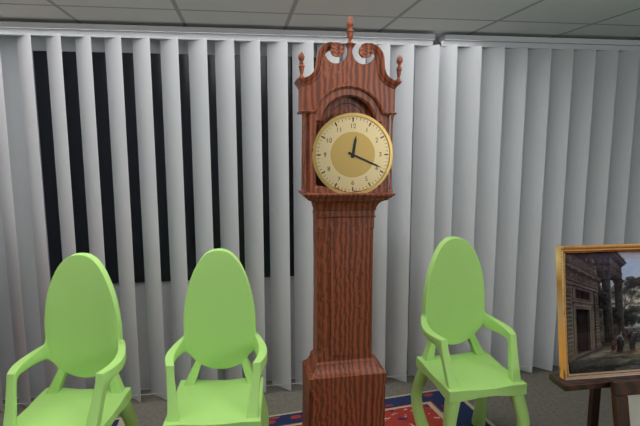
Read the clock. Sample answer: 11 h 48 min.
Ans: 12 h 19 min
